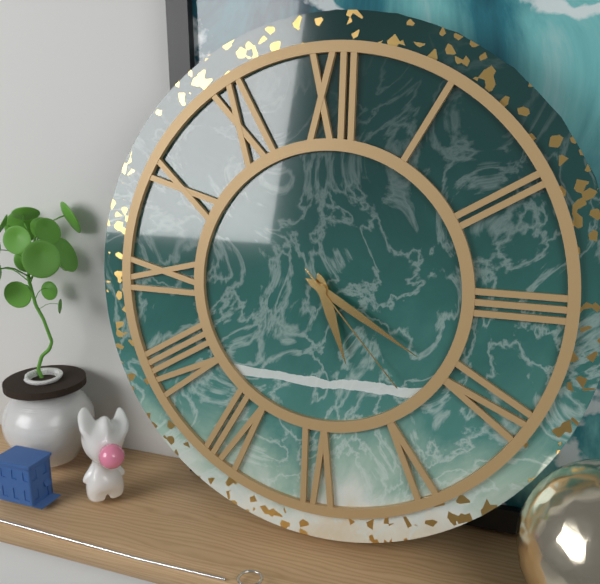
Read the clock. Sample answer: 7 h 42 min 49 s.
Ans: 5 h 20 min 23 s
